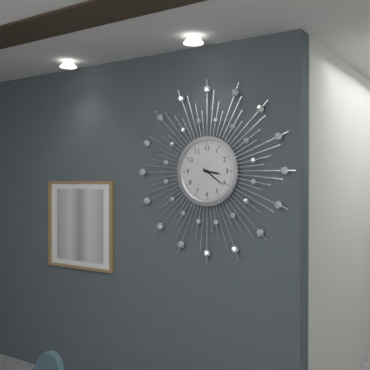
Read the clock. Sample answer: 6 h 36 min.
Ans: 3 h 21 min
